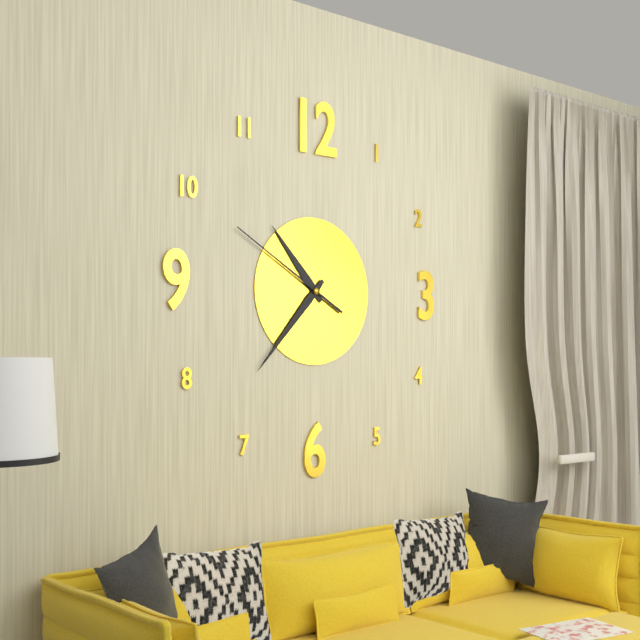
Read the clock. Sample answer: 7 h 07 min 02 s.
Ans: 10 h 37 min 50 s
